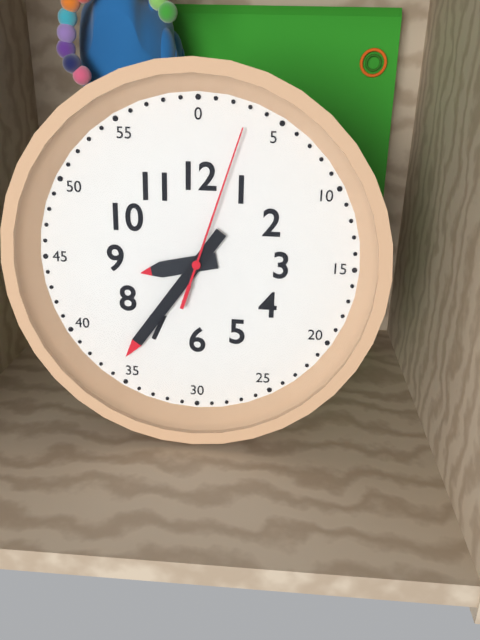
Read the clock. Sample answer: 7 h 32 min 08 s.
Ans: 8 h 36 min 03 s
